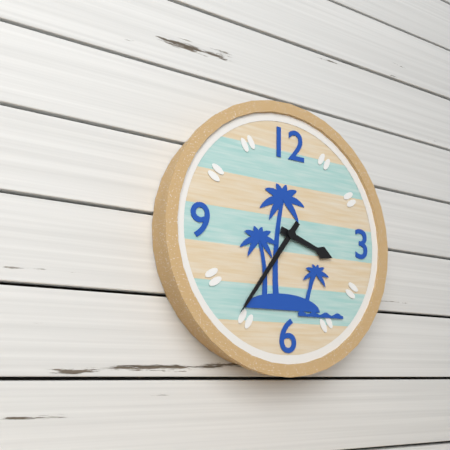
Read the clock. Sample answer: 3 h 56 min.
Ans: 3 h 36 min
